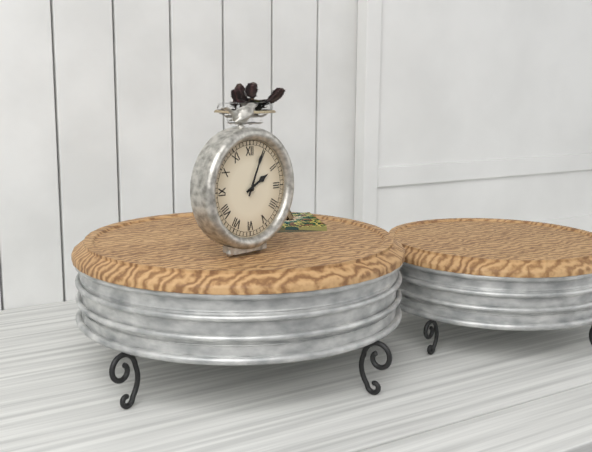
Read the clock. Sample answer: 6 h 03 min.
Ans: 2 h 04 min
